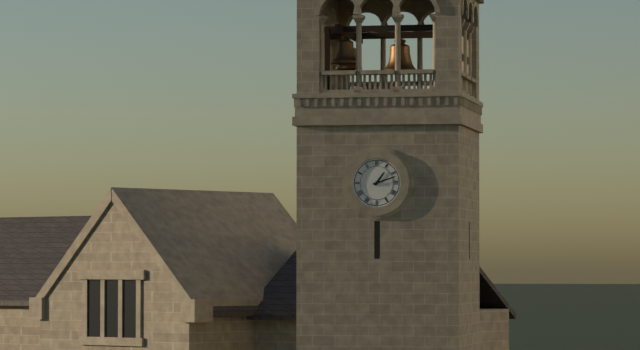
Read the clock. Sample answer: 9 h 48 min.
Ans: 1 h 12 min
